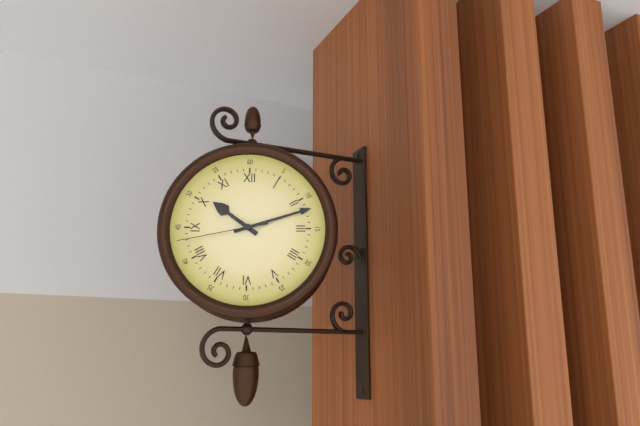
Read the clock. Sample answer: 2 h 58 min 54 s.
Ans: 10 h 12 min 43 s
